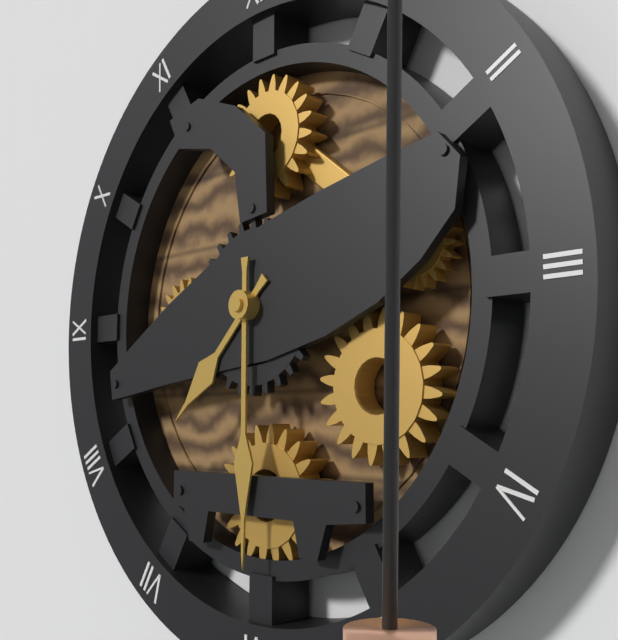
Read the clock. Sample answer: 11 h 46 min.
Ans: 7 h 30 min
